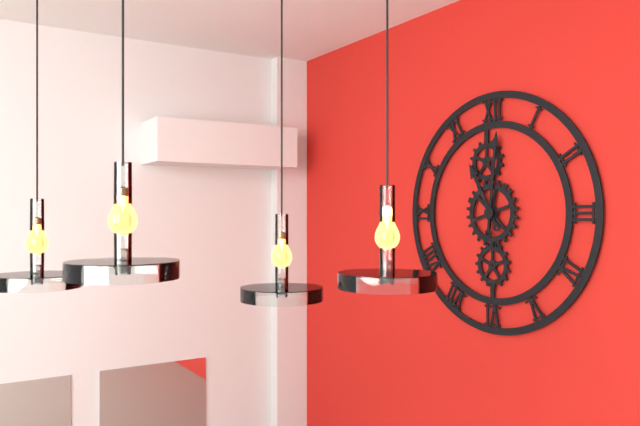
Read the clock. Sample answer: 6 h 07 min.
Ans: 11 h 01 min
